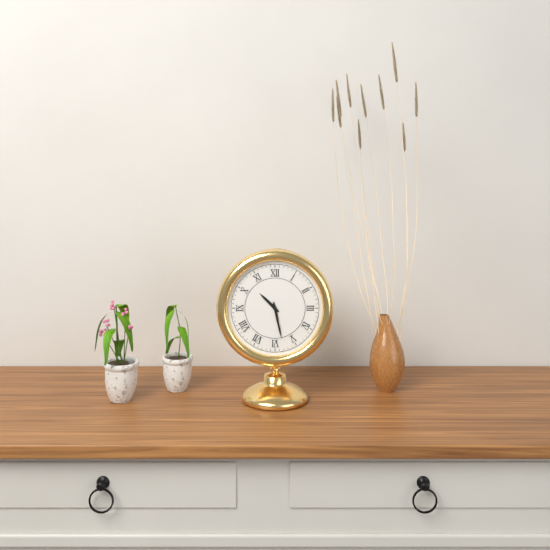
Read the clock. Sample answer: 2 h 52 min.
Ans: 10 h 28 min
